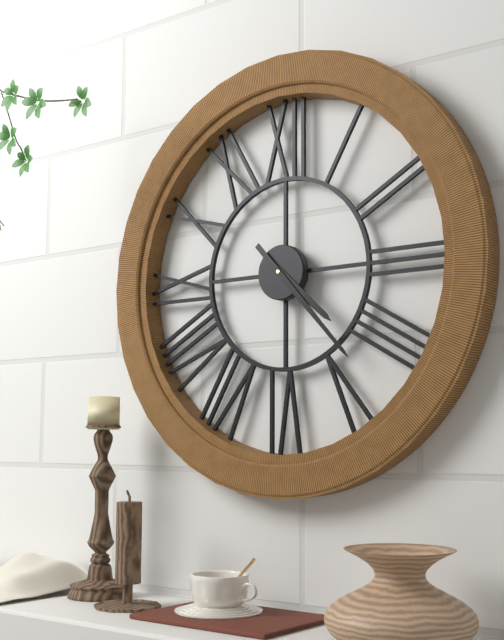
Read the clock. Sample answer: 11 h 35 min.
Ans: 4 h 23 min
